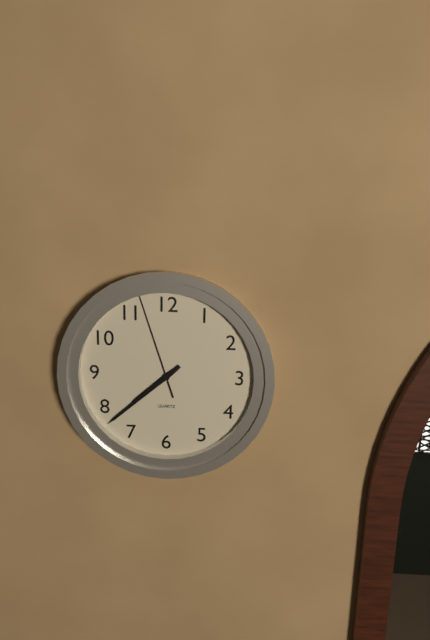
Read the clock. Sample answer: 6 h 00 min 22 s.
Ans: 7 h 38 min 57 s
